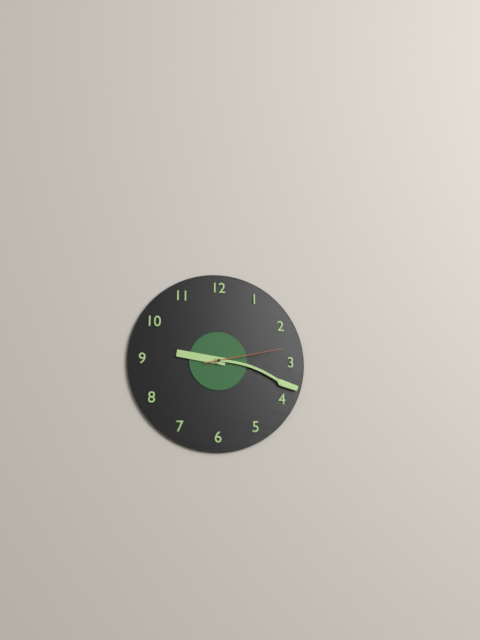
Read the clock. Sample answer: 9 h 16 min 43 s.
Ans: 9 h 18 min 13 s
